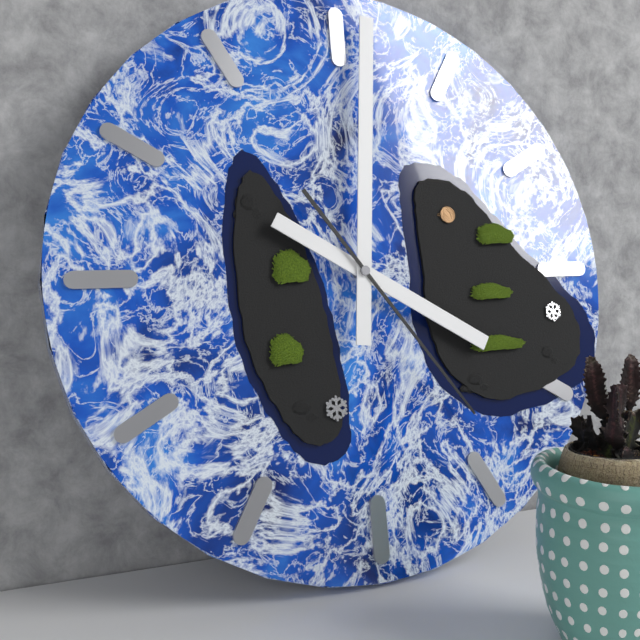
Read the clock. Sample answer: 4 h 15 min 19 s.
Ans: 4 h 01 min 24 s
